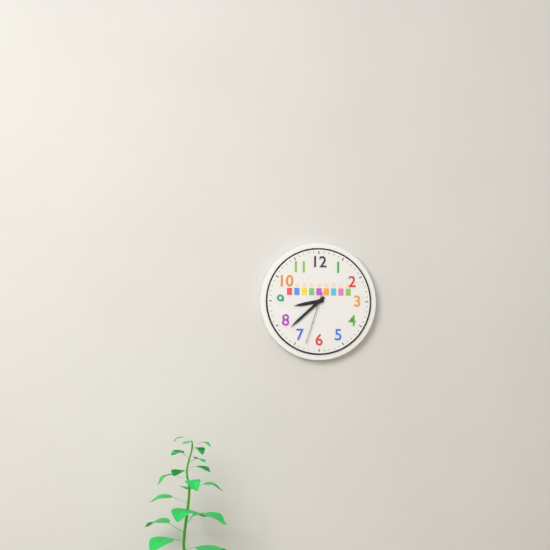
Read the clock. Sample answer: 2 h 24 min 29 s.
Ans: 8 h 38 min 33 s
